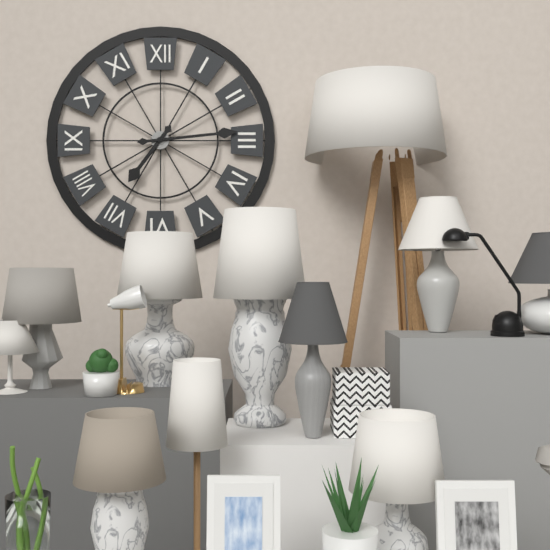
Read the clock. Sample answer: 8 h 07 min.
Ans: 7 h 14 min
